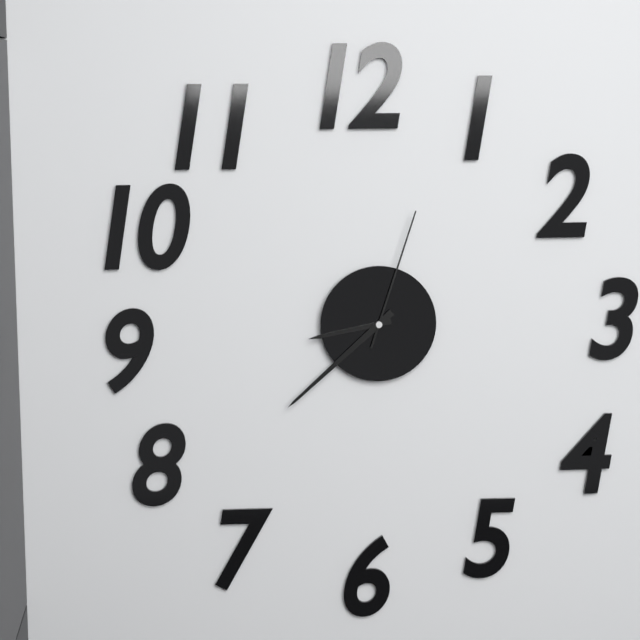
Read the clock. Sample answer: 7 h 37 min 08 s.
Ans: 8 h 38 min 03 s
